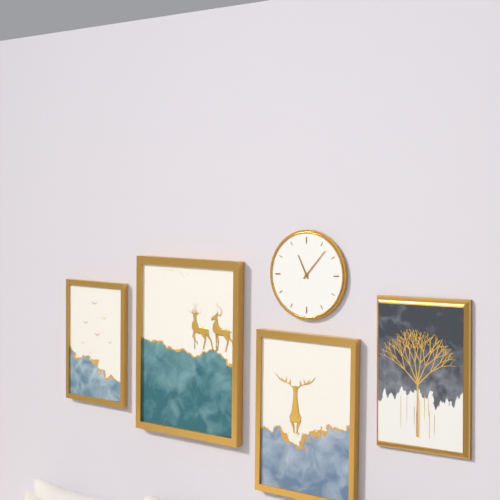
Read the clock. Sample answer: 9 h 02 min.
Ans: 11 h 07 min
